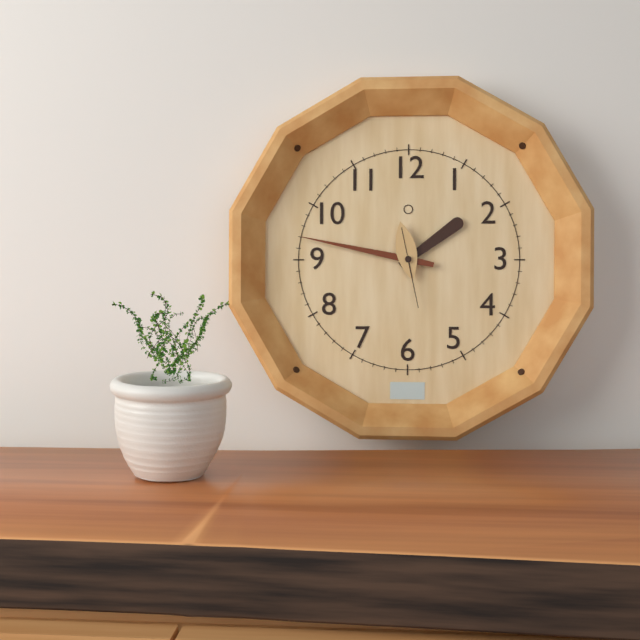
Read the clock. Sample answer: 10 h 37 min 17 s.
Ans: 1 h 47 min 28 s
